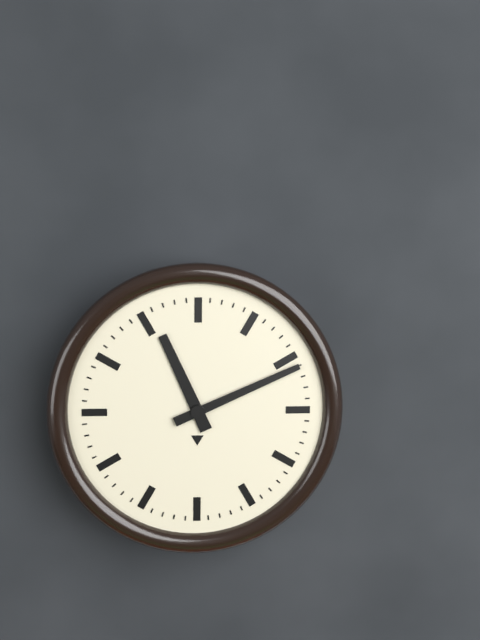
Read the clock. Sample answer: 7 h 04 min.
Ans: 11 h 11 min
